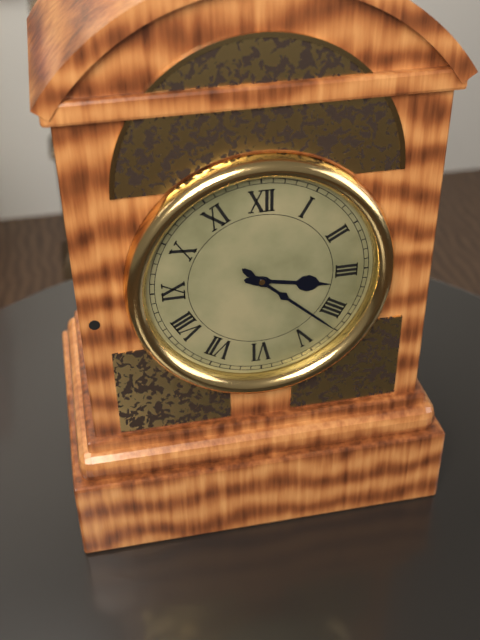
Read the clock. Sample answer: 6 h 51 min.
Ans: 3 h 22 min
